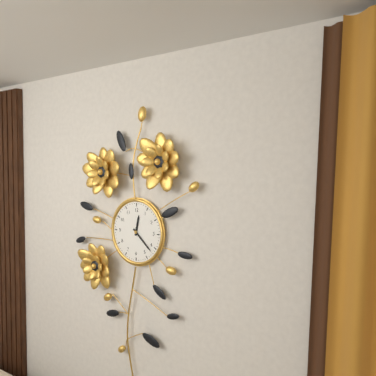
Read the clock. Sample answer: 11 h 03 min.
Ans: 12 h 22 min
